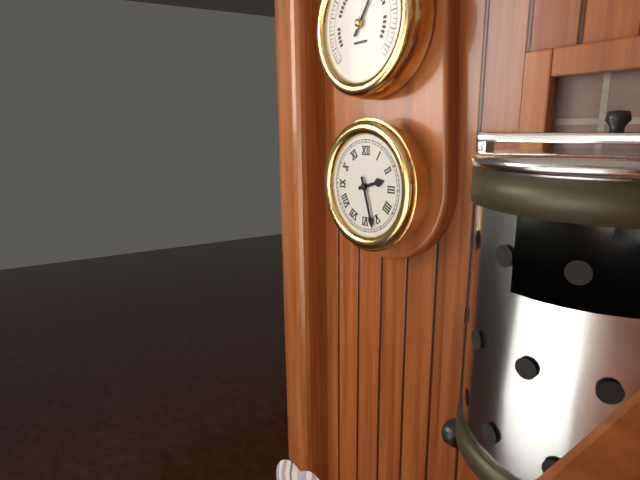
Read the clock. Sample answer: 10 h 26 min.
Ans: 2 h 27 min
